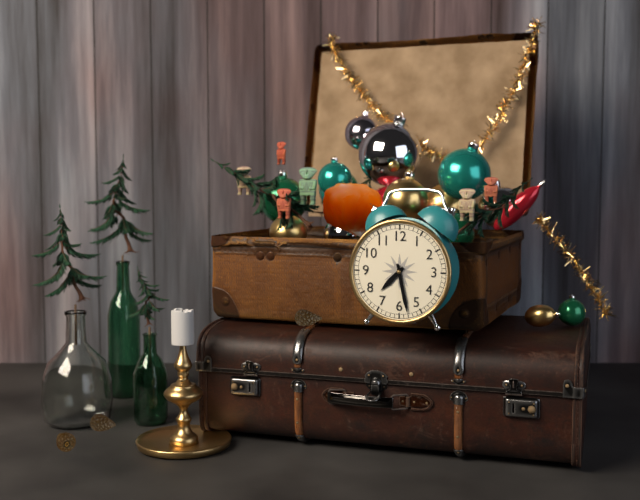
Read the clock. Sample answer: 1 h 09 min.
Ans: 7 h 28 min
